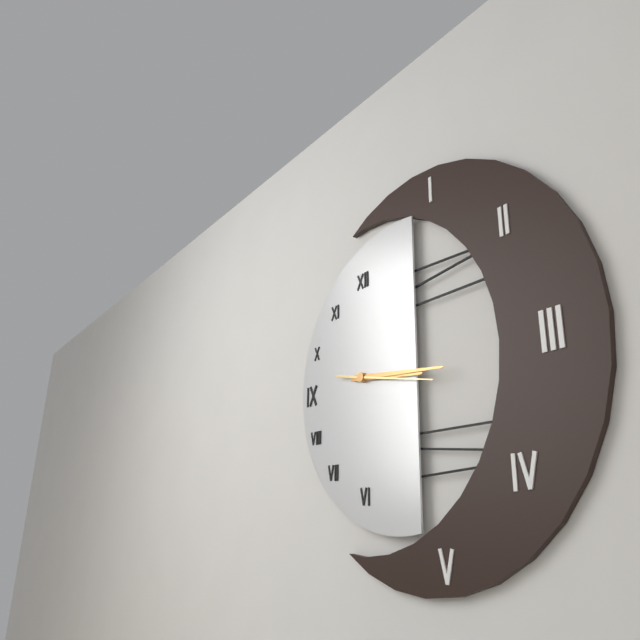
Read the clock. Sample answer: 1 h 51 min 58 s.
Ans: 3 h 16 min 17 s
